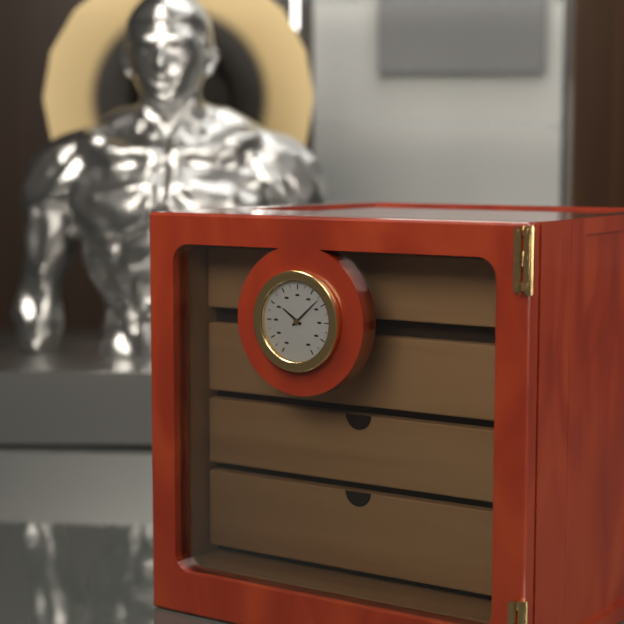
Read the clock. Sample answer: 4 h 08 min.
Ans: 10 h 08 min
